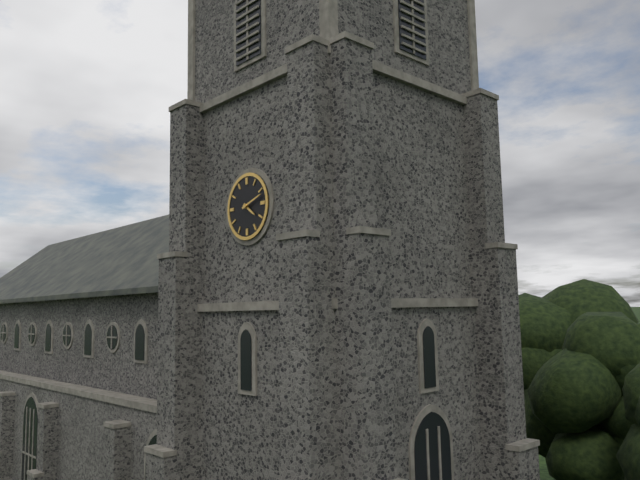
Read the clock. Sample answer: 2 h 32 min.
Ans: 4 h 12 min
